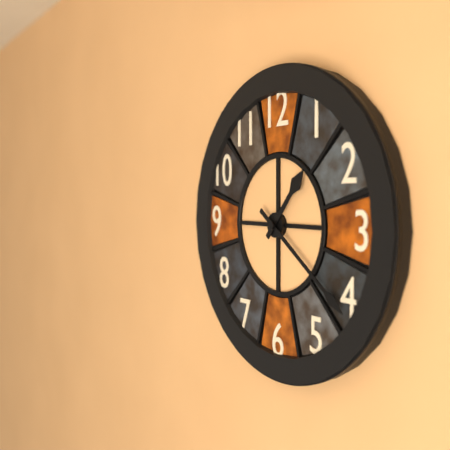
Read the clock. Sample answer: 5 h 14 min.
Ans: 1 h 21 min
